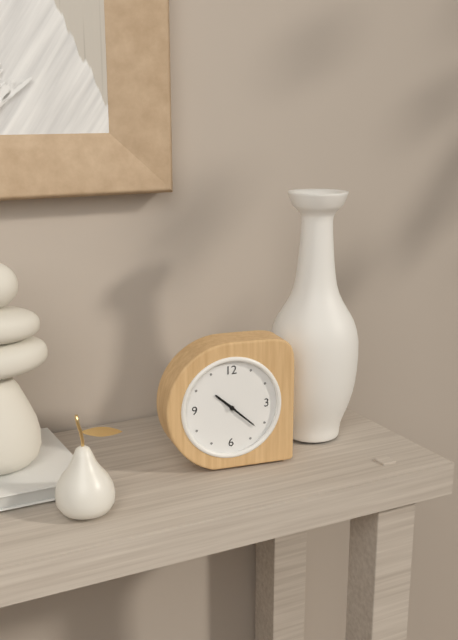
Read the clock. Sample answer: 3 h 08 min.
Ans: 10 h 22 min
